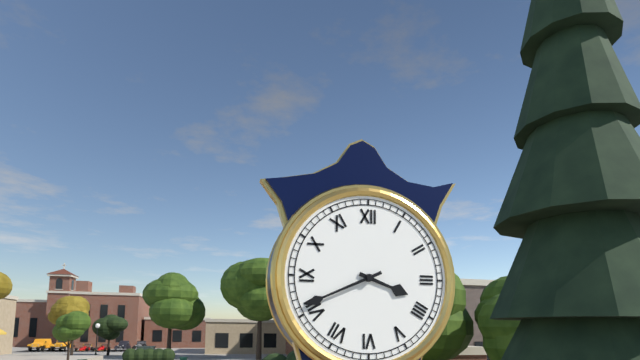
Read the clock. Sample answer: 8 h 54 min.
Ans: 3 h 41 min
